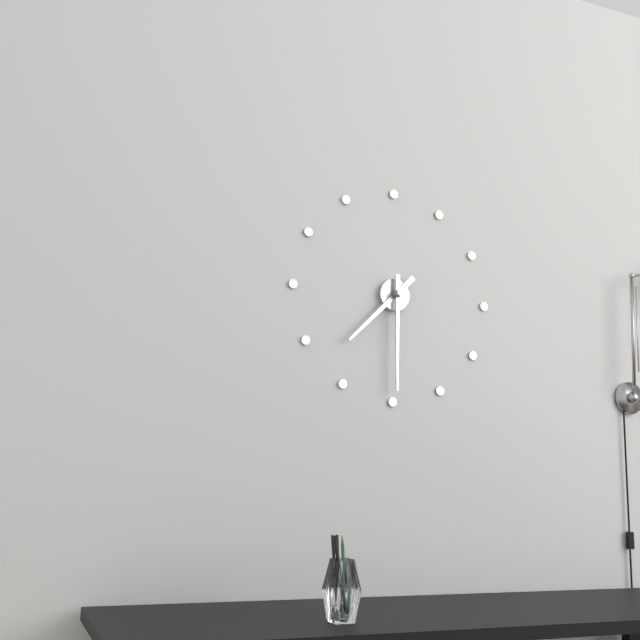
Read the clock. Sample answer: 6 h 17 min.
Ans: 7 h 30 min
